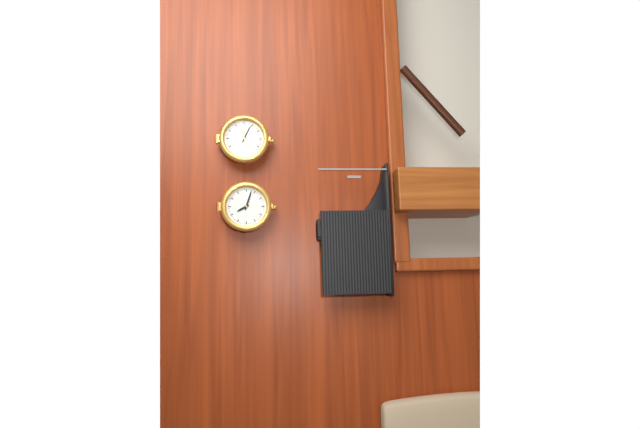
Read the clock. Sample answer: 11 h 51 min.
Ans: 8 h 03 min
